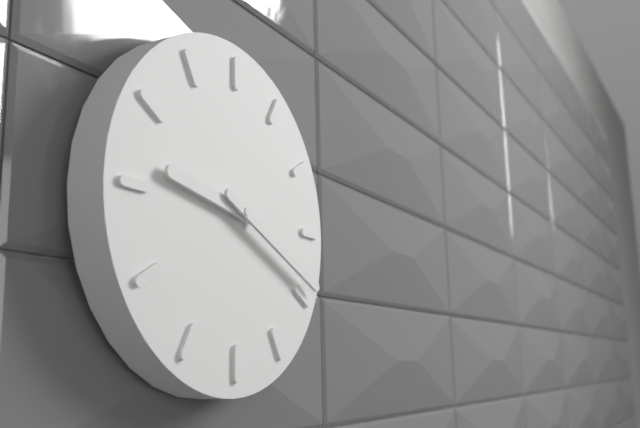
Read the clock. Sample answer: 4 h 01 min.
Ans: 9 h 19 min
